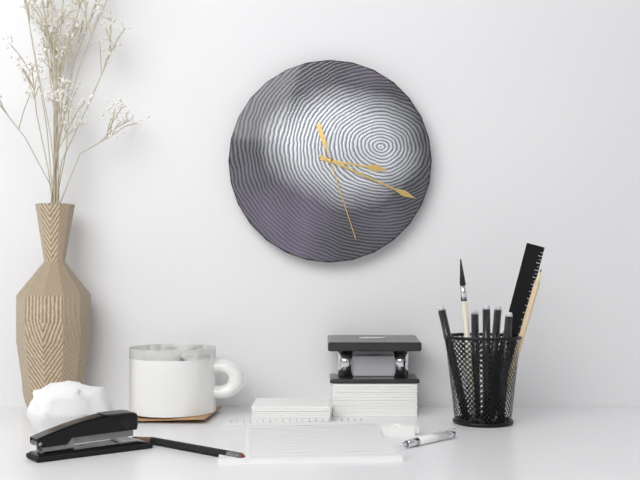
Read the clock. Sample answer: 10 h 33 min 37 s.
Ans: 3 h 19 min 27 s
